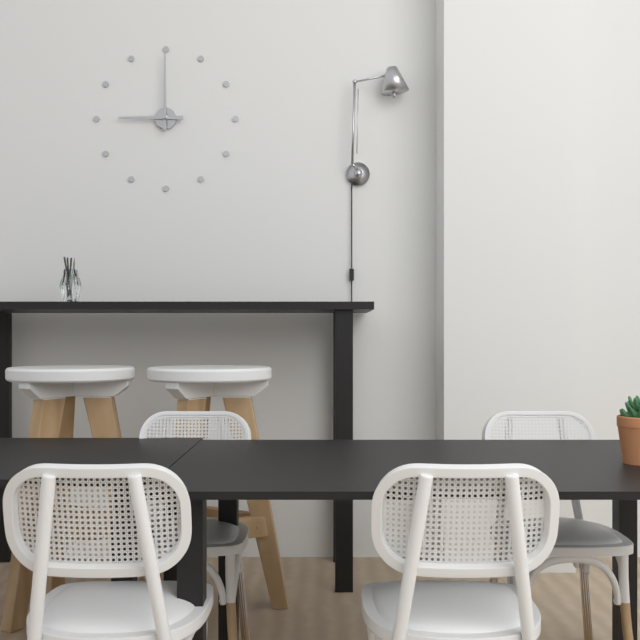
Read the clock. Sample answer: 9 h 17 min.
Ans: 9 h 00 min
